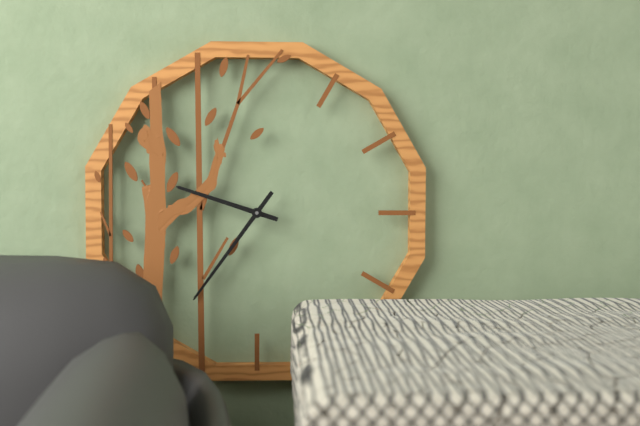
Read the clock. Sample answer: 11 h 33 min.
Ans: 9 h 36 min
